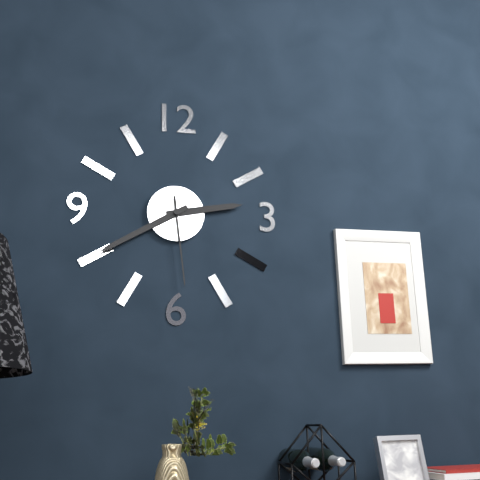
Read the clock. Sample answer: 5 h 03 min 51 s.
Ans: 2 h 40 min 29 s
